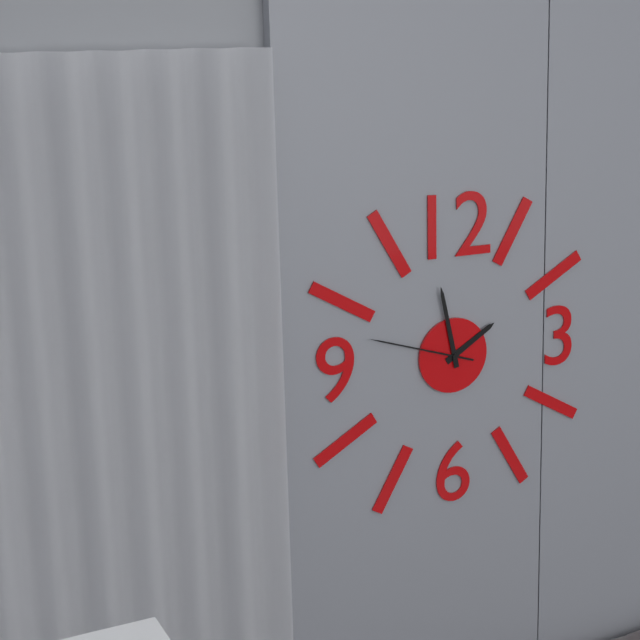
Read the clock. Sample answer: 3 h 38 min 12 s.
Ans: 1 h 58 min 48 s
